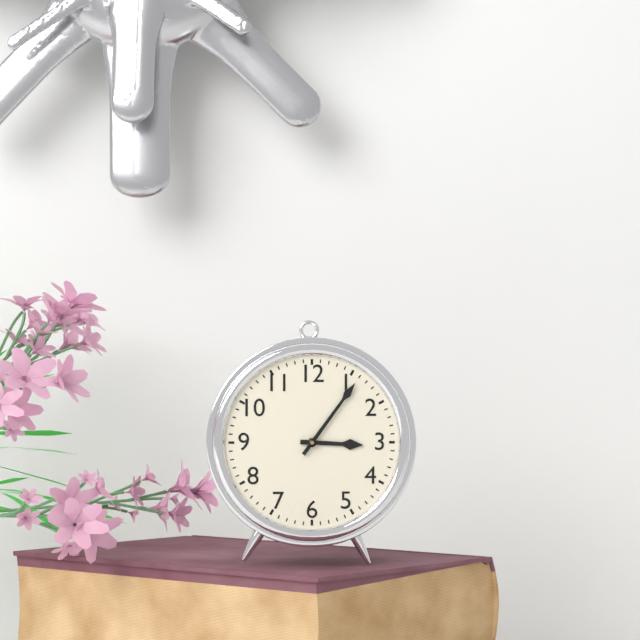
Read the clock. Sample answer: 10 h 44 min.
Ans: 3 h 06 min
